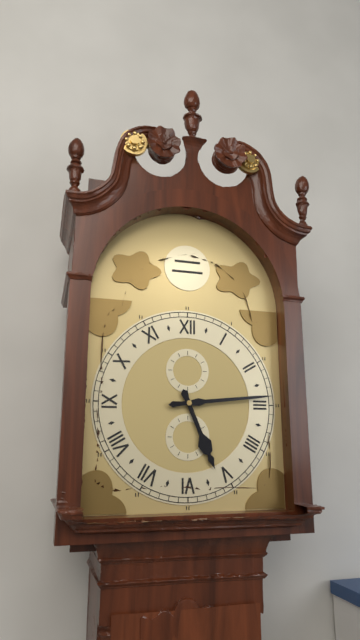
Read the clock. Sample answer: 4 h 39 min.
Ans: 5 h 14 min
